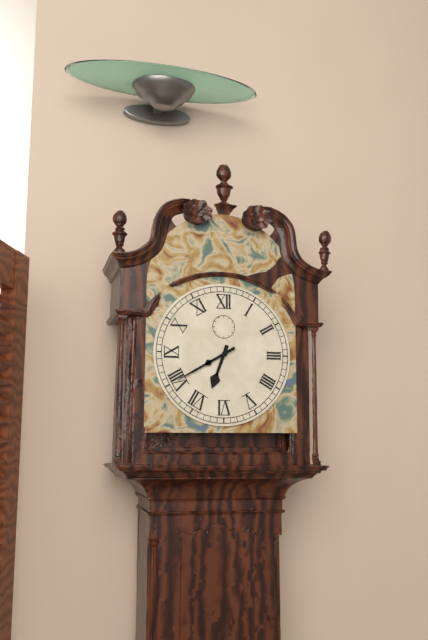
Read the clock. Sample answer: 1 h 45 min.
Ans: 6 h 40 min
